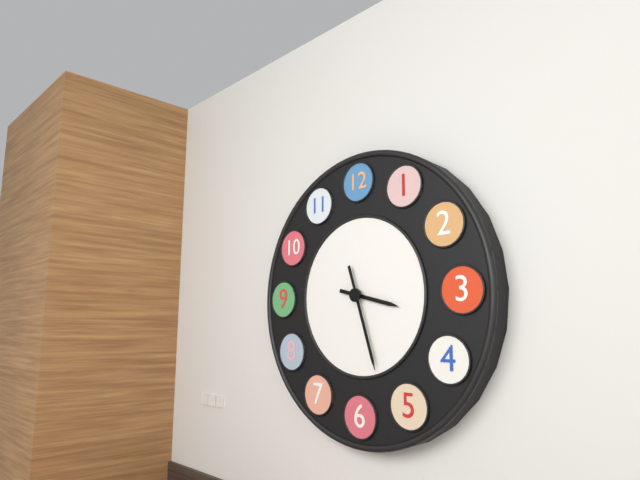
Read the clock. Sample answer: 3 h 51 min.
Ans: 3 h 27 min
